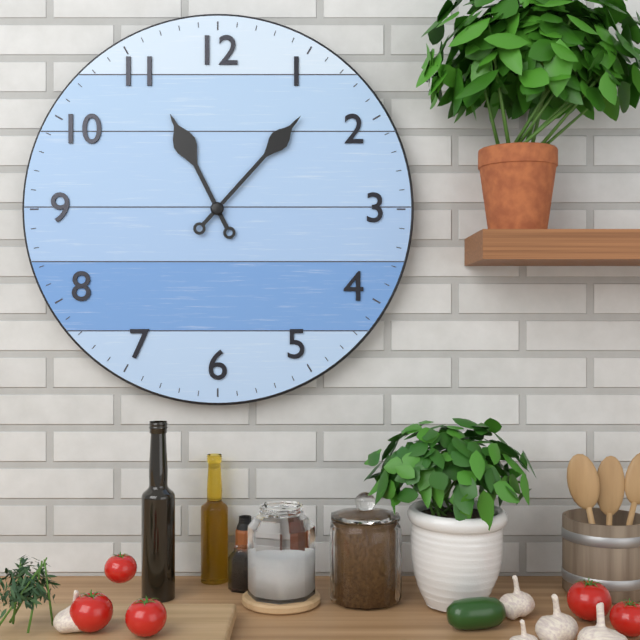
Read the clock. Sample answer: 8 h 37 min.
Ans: 11 h 07 min
